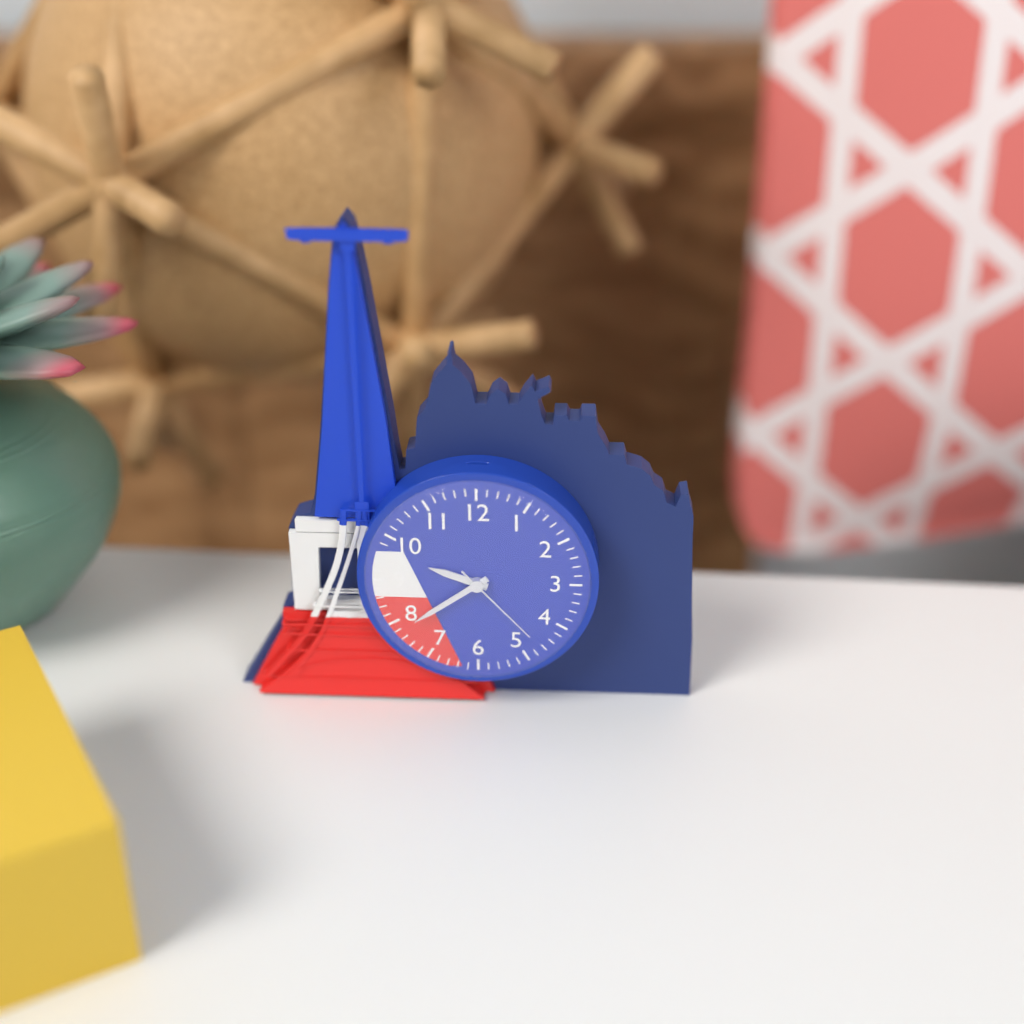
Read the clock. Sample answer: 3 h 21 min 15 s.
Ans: 9 h 39 min 23 s
